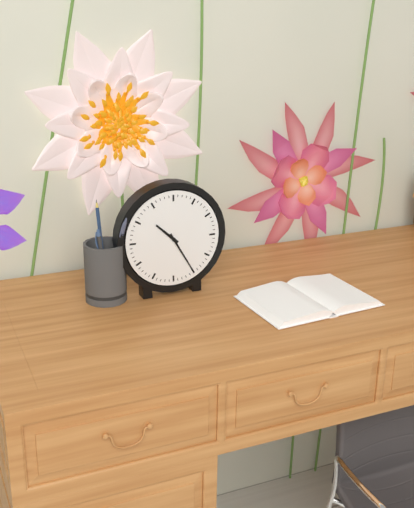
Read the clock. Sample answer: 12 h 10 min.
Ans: 10 h 25 min
